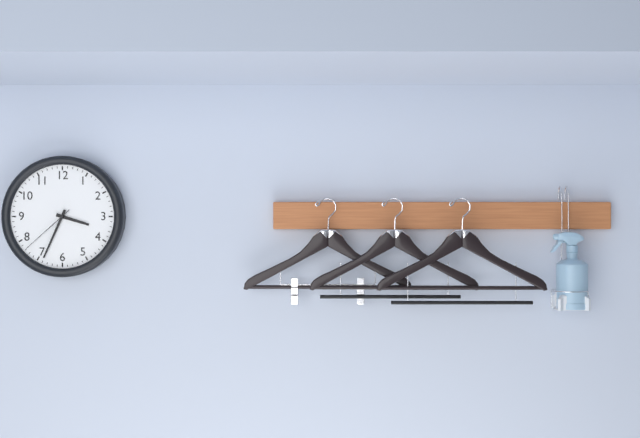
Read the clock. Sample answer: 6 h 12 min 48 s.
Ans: 3 h 34 min 38 s
